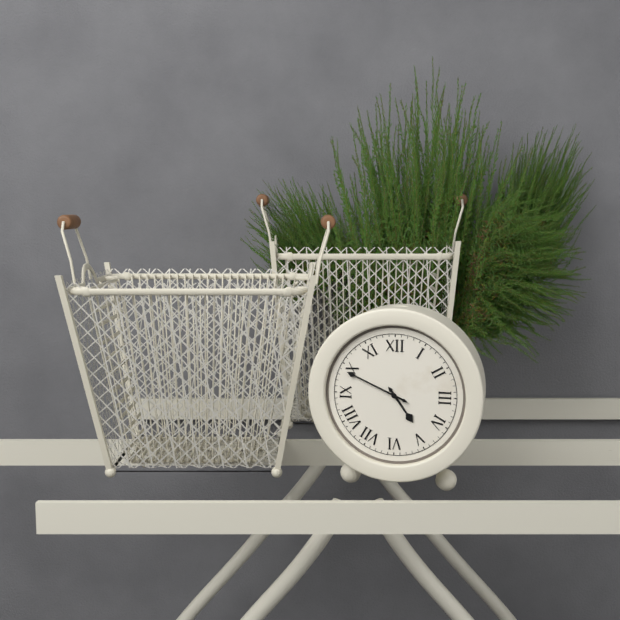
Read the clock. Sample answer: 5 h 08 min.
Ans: 4 h 49 min
